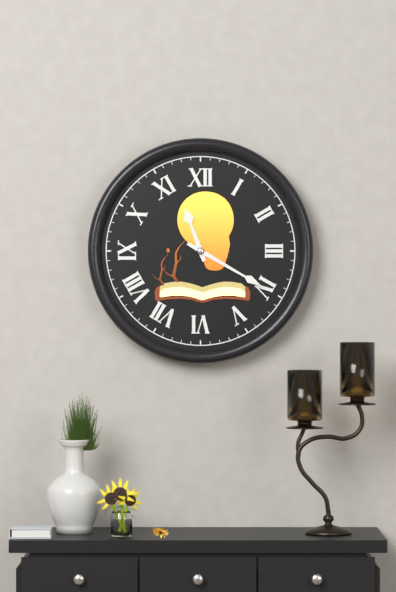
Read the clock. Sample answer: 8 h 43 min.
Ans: 11 h 20 min
